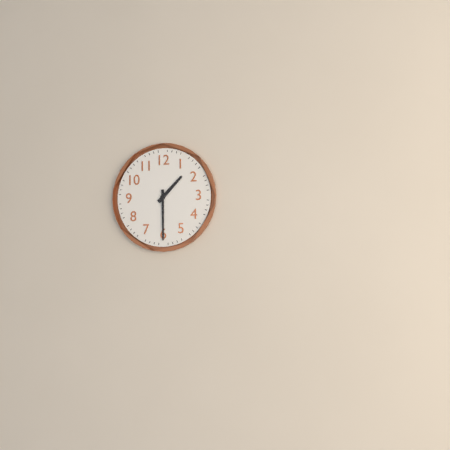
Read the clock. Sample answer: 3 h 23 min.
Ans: 1 h 30 min
